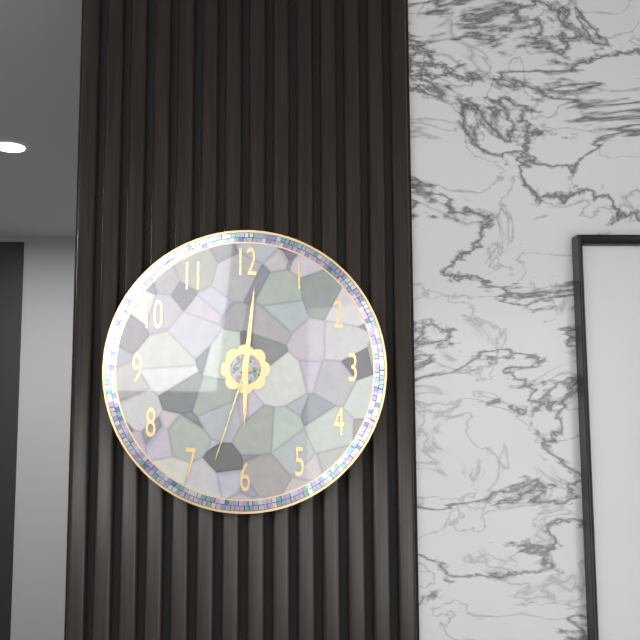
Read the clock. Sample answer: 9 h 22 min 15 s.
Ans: 6 h 01 min 33 s
